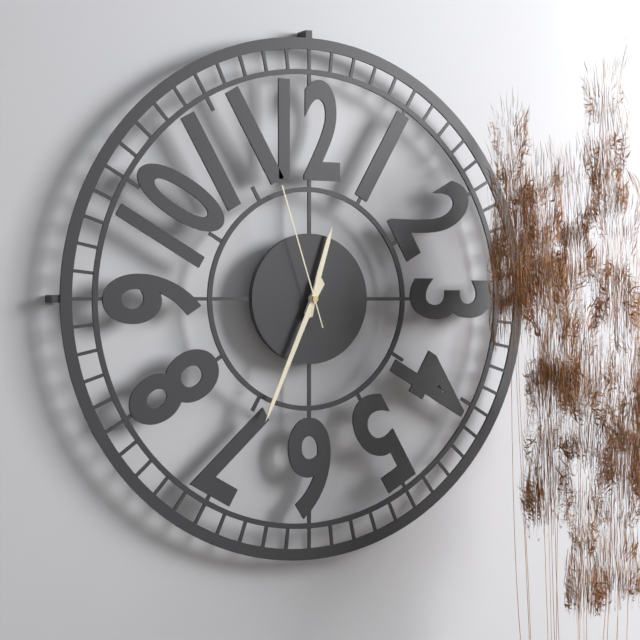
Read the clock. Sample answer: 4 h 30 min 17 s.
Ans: 12 h 34 min 57 s
